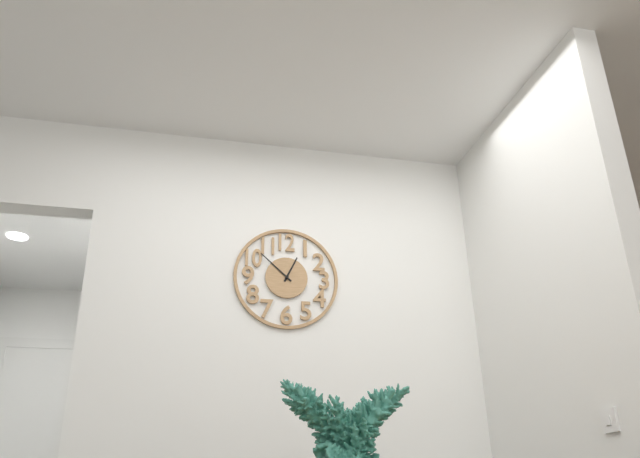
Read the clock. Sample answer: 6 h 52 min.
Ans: 12 h 52 min
